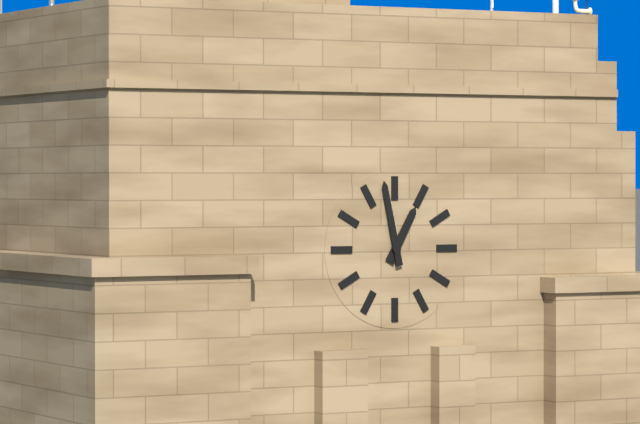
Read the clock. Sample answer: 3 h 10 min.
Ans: 12 h 58 min
